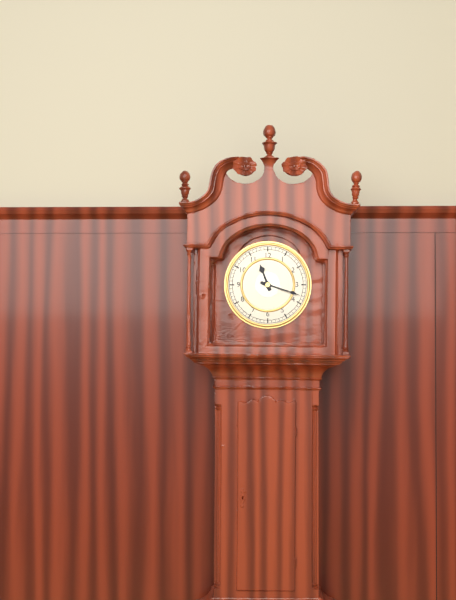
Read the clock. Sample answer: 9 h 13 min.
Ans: 11 h 18 min
